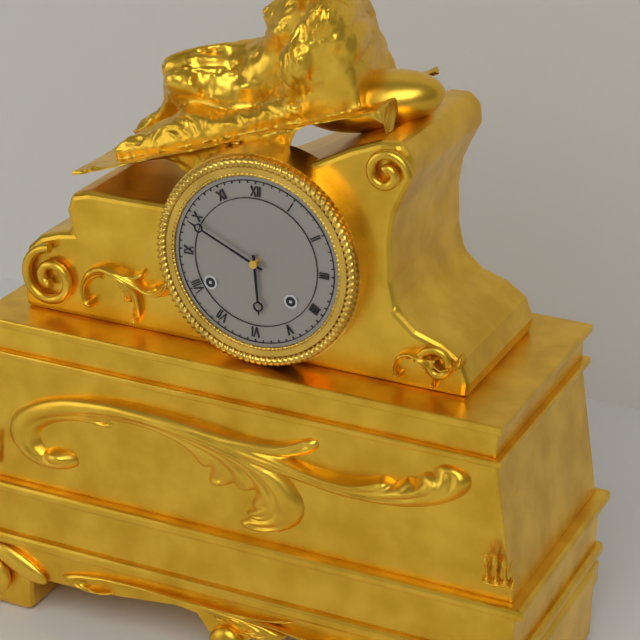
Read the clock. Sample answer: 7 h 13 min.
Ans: 5 h 49 min
